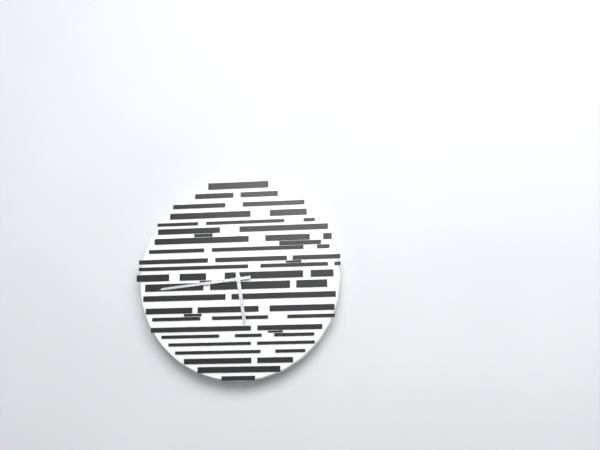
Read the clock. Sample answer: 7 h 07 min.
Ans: 5 h 44 min
